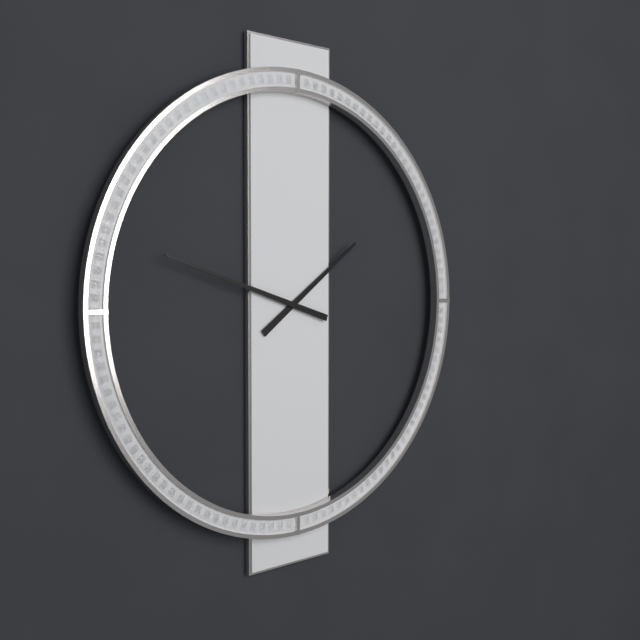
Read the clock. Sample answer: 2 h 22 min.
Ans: 1 h 48 min
